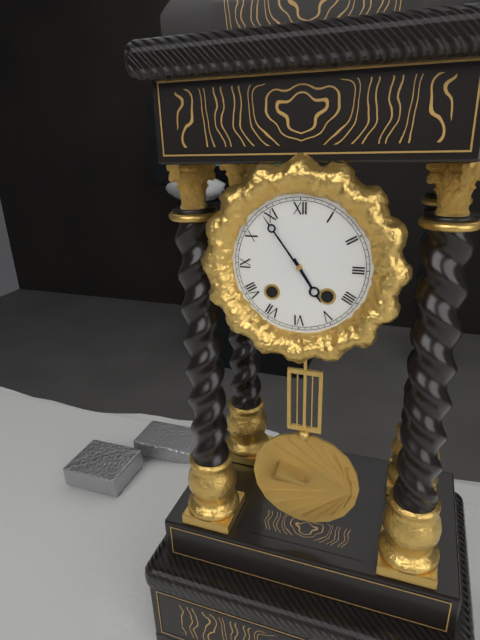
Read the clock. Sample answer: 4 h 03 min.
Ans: 4 h 54 min
